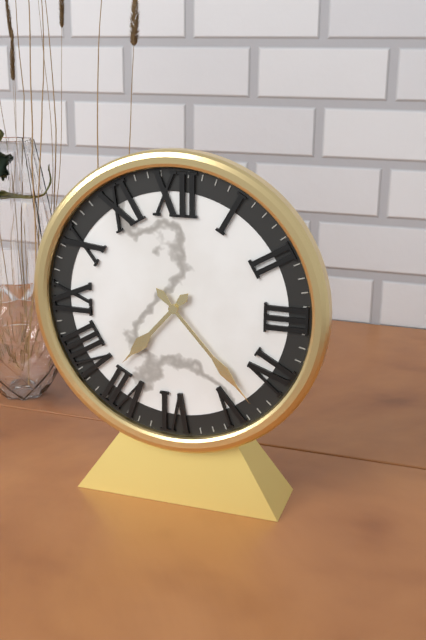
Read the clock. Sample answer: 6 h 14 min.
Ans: 7 h 23 min
